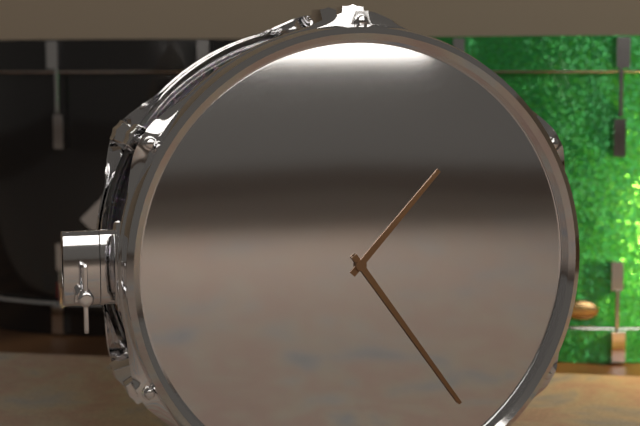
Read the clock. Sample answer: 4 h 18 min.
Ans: 1 h 24 min
